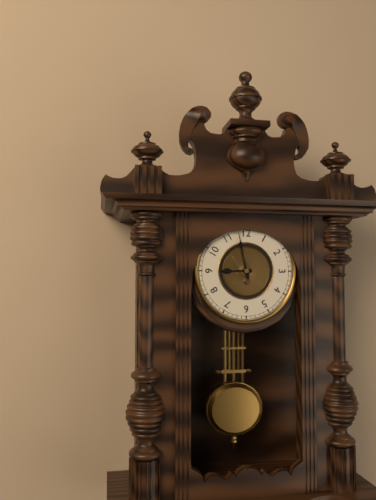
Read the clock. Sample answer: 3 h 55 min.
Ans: 8 h 58 min
